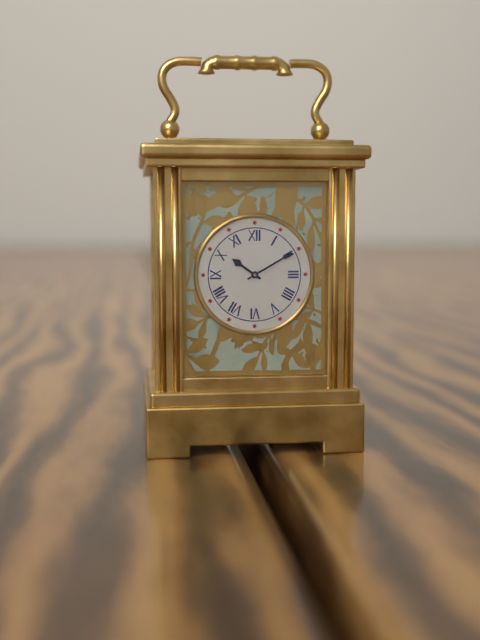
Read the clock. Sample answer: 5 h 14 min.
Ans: 10 h 10 min
